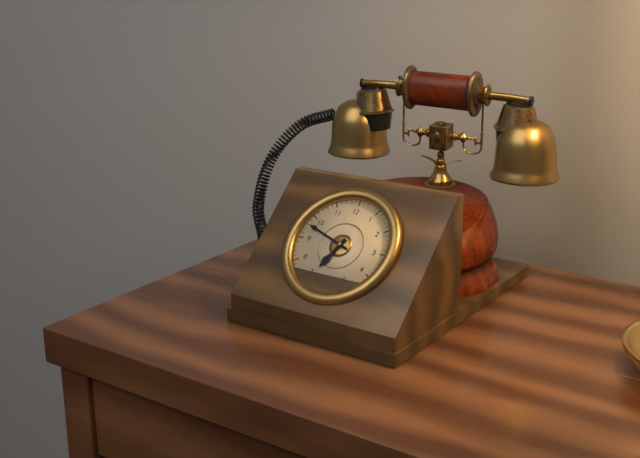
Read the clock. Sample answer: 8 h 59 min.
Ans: 6 h 48 min
